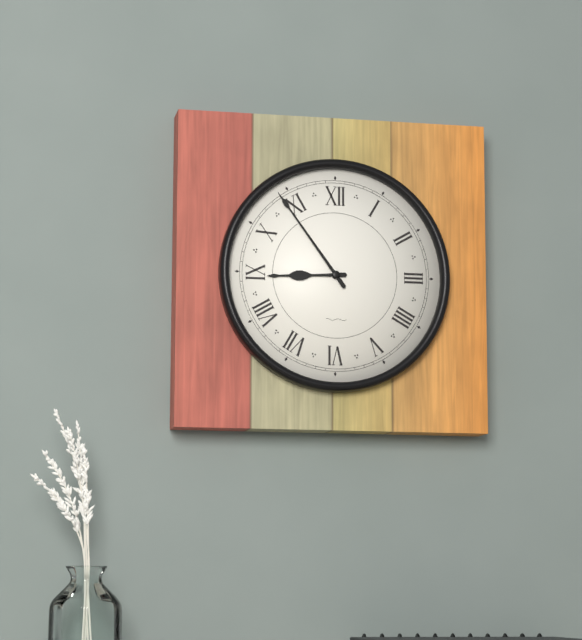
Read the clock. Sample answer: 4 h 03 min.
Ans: 8 h 54 min
